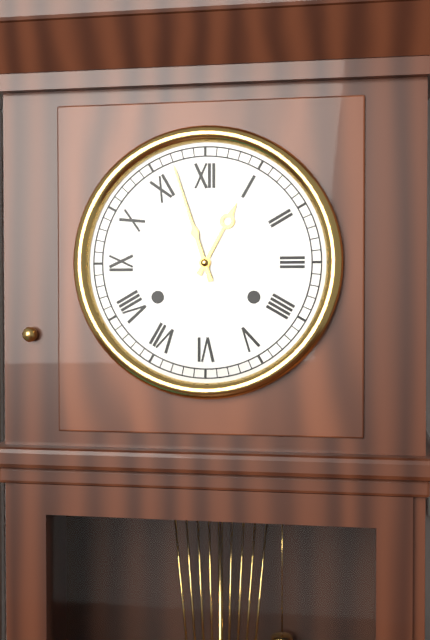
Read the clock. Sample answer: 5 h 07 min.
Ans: 12 h 57 min
